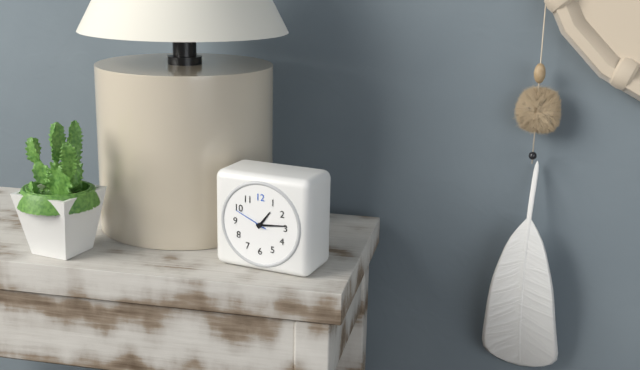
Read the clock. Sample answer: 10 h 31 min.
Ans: 1 h 14 min
